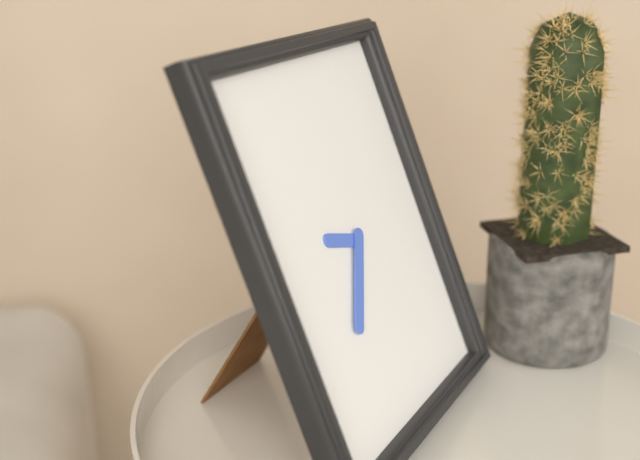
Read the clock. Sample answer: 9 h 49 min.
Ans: 9 h 36 min
